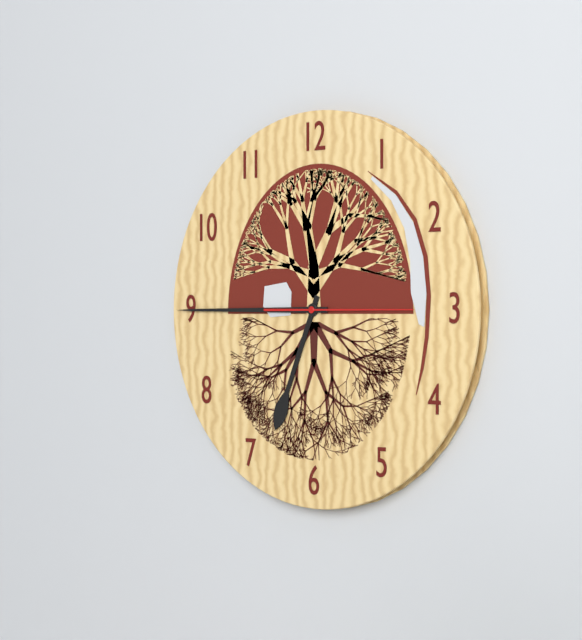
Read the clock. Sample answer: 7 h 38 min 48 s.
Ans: 6 h 45 min 15 s
